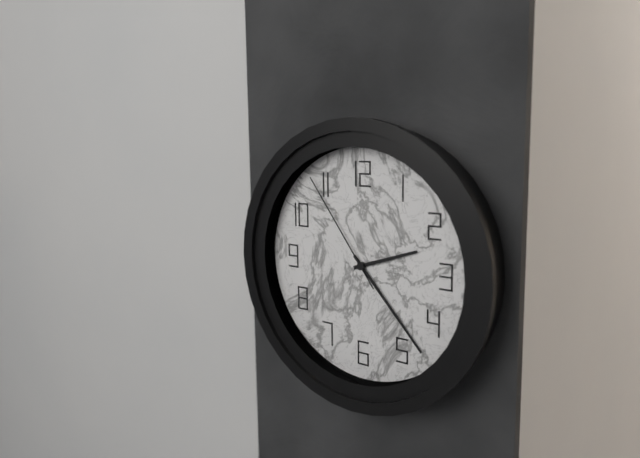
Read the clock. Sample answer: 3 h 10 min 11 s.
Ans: 2 h 23 min 54 s
